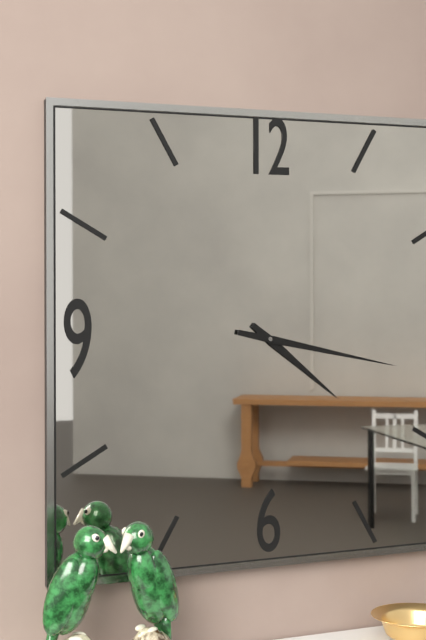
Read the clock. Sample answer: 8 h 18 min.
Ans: 4 h 17 min
